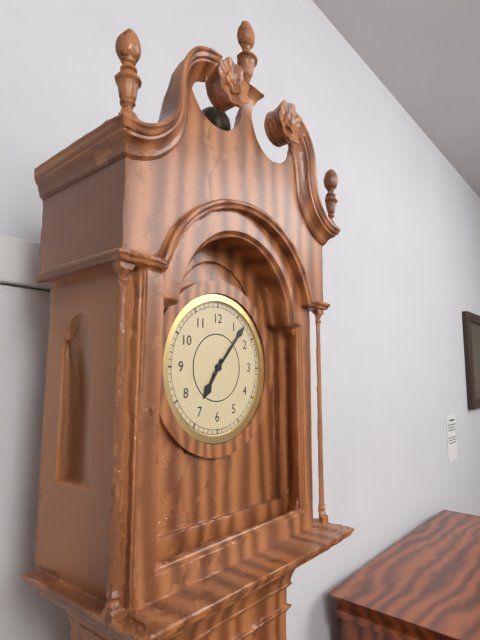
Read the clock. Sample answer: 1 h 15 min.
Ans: 7 h 07 min
